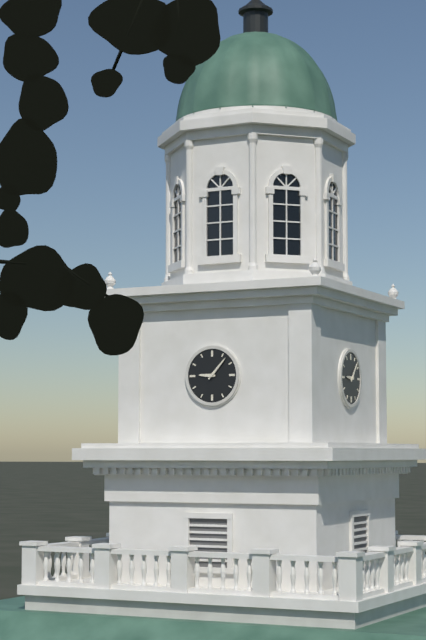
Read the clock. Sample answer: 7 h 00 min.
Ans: 9 h 07 min
